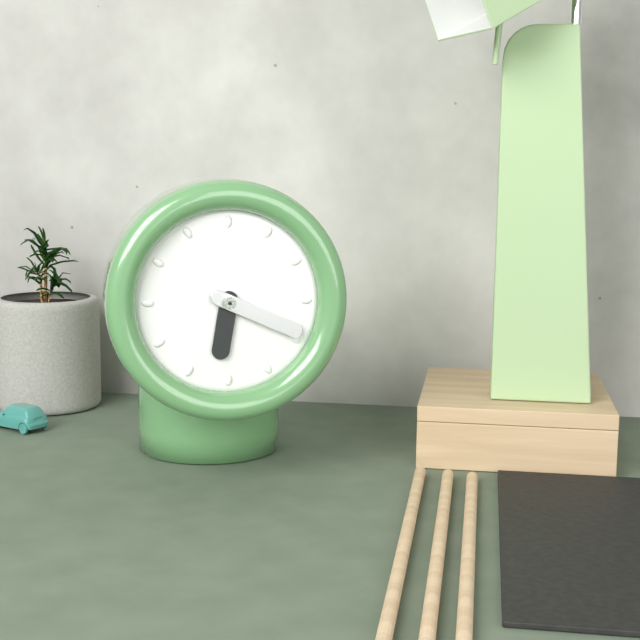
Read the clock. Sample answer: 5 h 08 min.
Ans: 6 h 19 min
